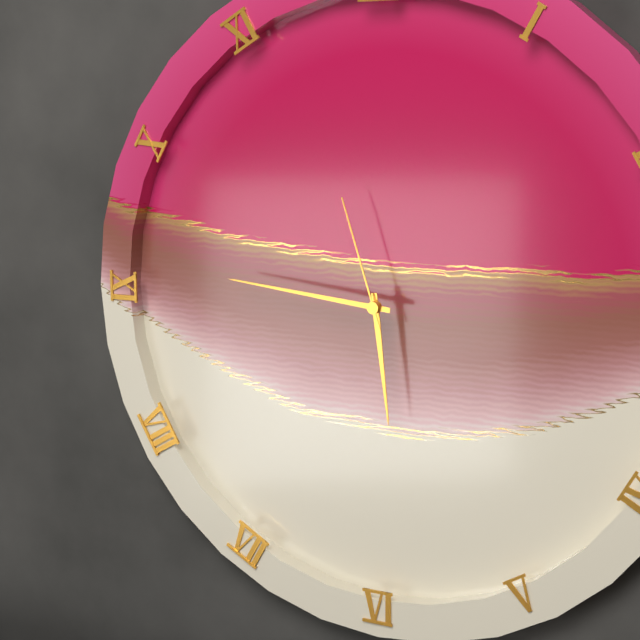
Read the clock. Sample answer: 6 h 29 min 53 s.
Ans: 5 h 46 min 57 s
